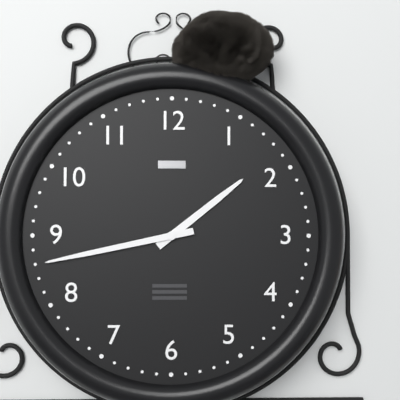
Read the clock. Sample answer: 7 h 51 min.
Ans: 1 h 43 min
